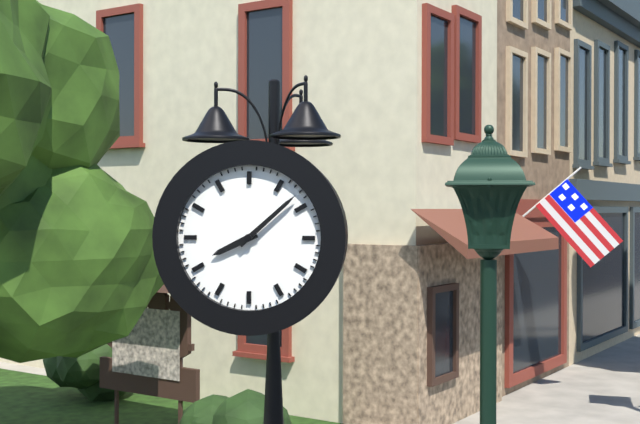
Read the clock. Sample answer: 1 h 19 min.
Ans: 8 h 08 min
